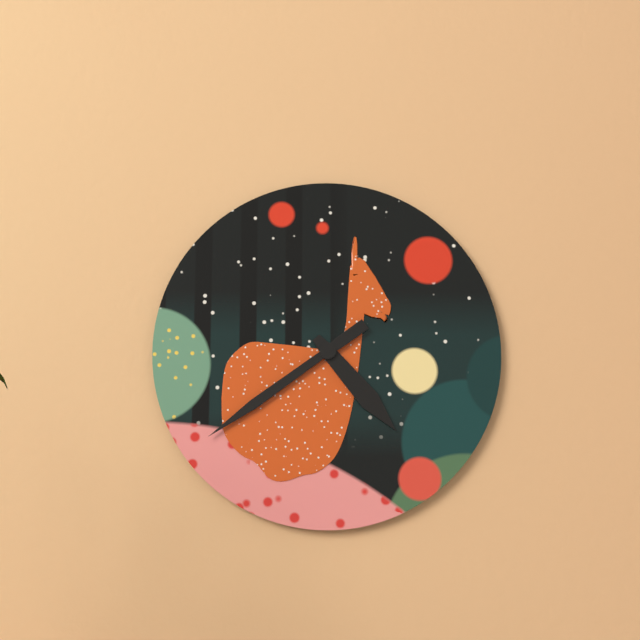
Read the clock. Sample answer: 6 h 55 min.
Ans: 4 h 39 min
